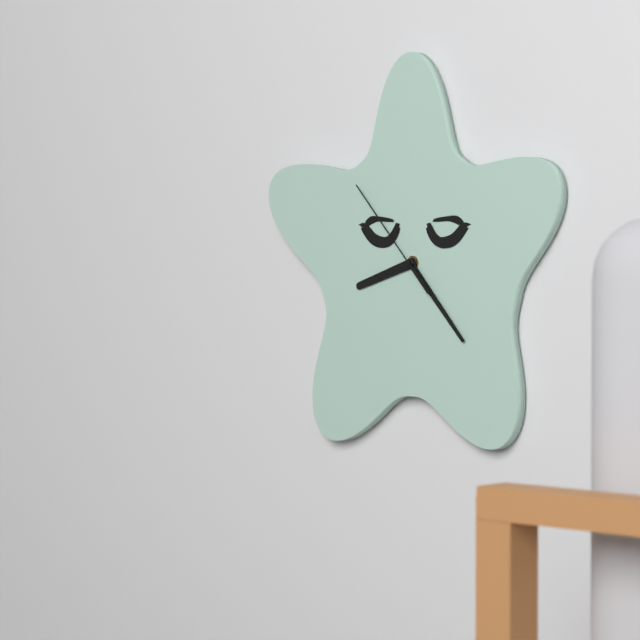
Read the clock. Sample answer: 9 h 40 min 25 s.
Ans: 8 h 23 min 53 s
